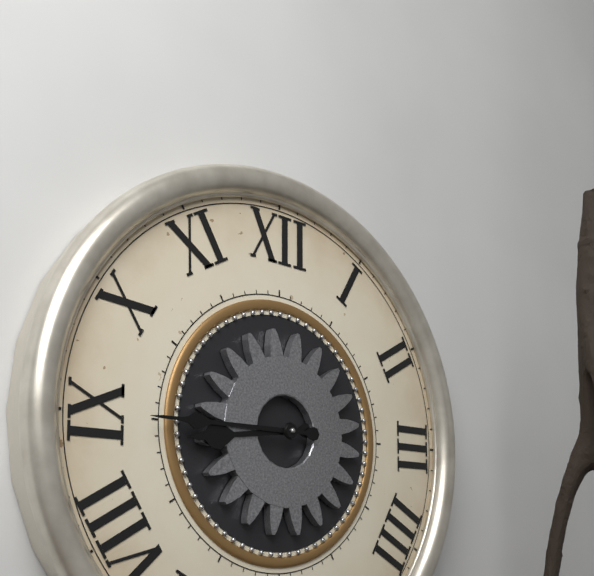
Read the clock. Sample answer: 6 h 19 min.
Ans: 8 h 45 min
